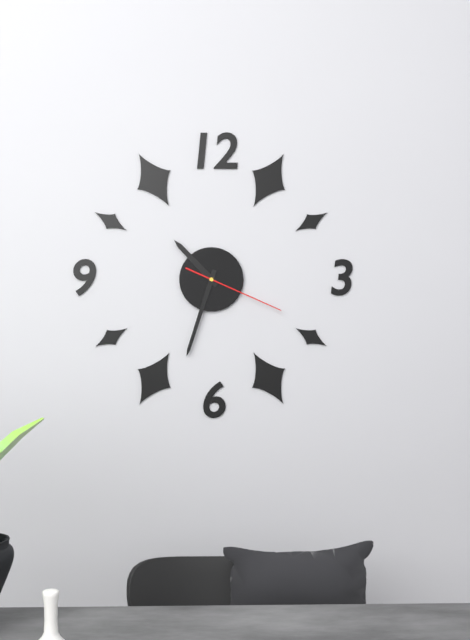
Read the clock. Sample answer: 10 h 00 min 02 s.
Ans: 10 h 33 min 19 s
